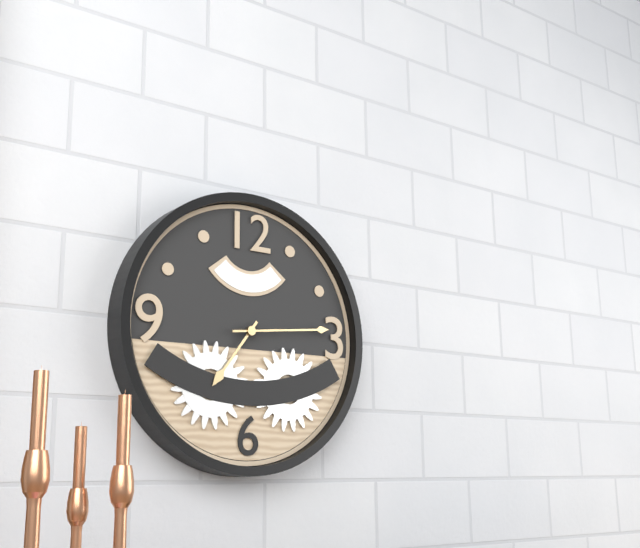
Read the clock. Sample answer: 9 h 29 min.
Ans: 7 h 14 min
